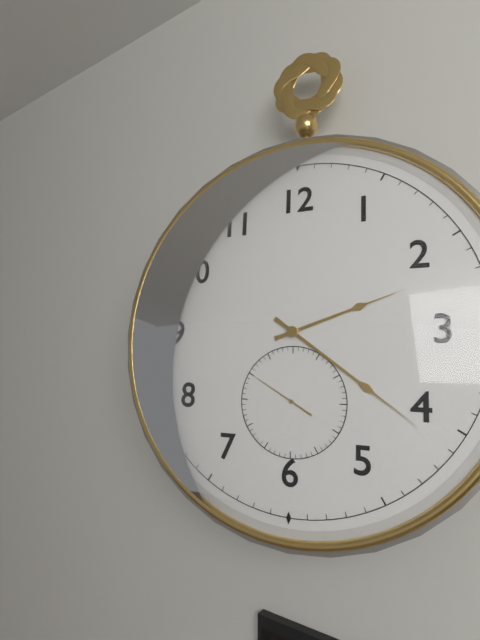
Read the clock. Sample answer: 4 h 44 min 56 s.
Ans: 2 h 21 min 50 s
